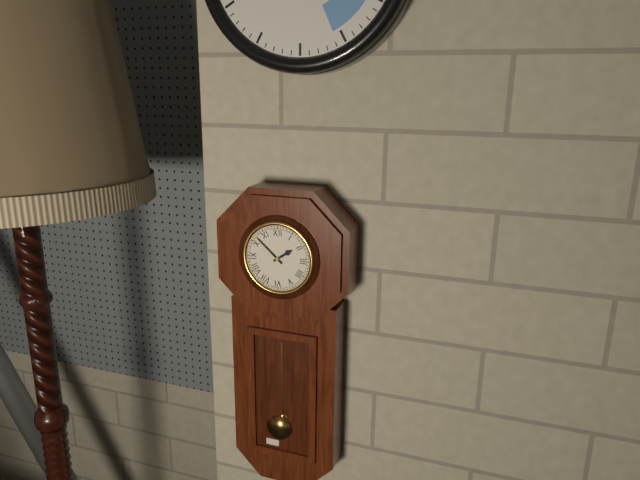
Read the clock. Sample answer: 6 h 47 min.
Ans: 1 h 52 min
